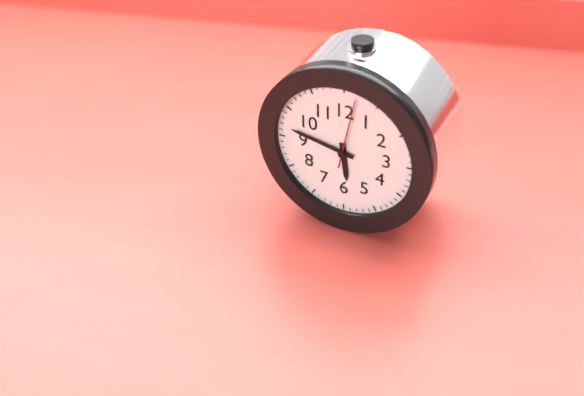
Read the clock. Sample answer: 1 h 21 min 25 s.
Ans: 5 h 47 min 02 s
